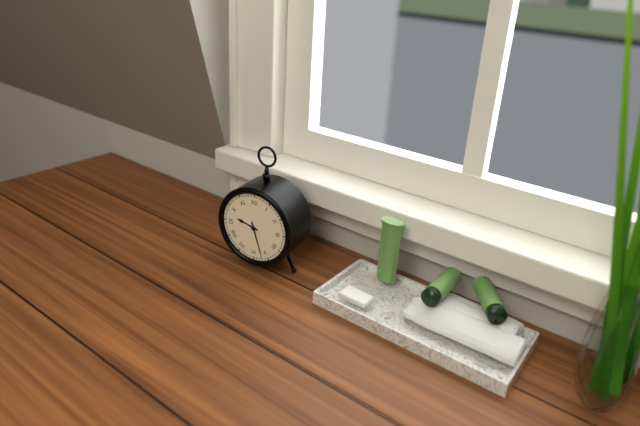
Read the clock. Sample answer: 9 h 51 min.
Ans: 9 h 27 min
